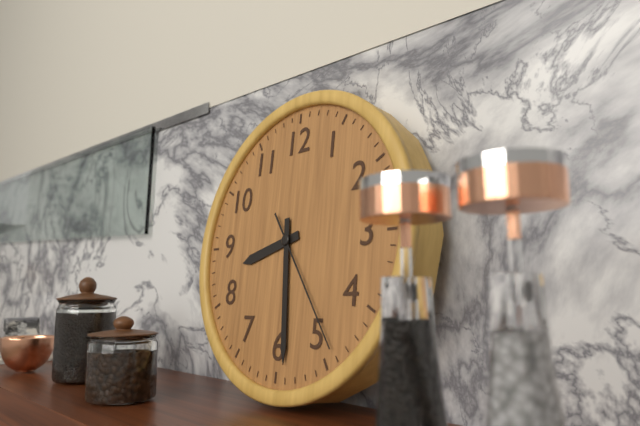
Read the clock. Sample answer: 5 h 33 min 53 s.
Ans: 8 h 29 min 24 s
